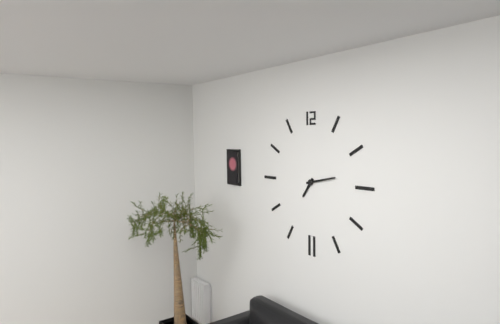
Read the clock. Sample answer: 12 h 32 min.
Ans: 7 h 13 min
